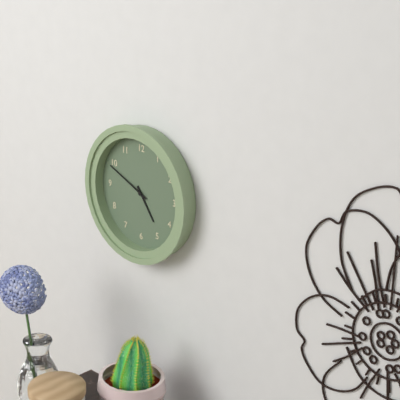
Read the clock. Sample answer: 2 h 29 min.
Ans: 4 h 49 min
